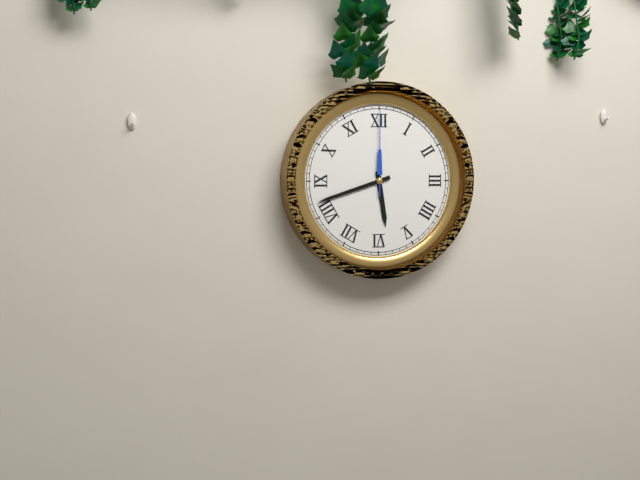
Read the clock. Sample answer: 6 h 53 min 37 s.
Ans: 5 h 42 min 00 s
